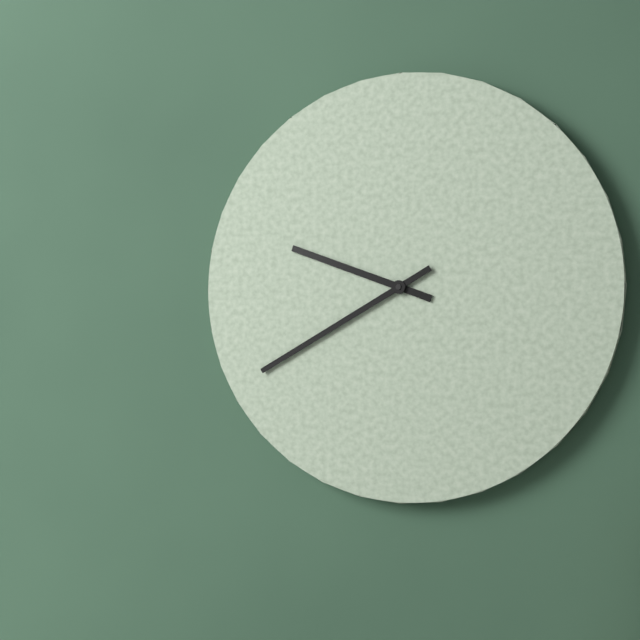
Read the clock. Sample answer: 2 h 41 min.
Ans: 9 h 40 min
